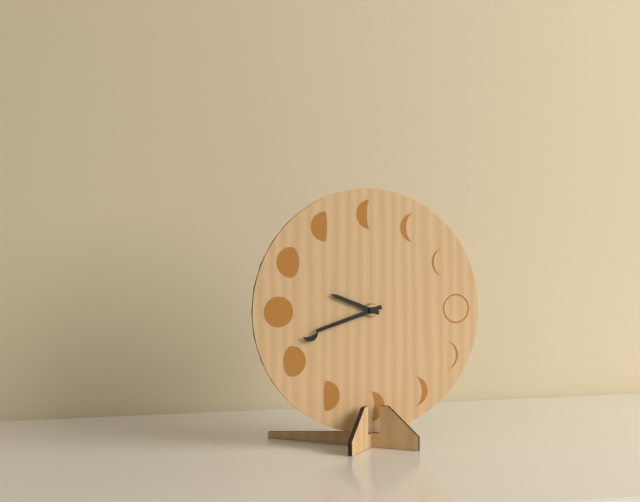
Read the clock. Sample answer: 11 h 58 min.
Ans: 9 h 42 min
